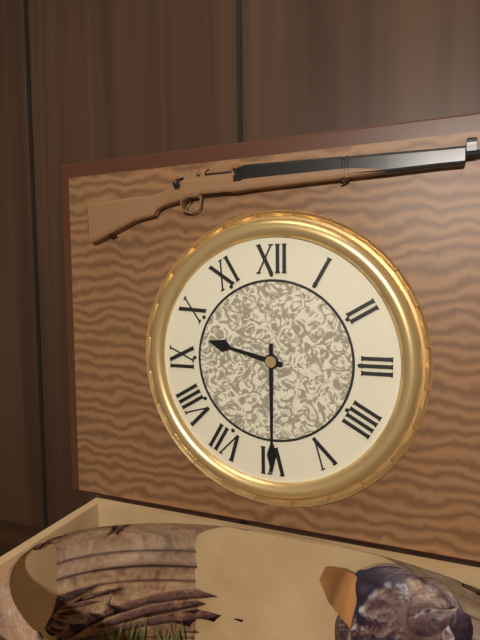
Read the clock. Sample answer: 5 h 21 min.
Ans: 9 h 30 min
